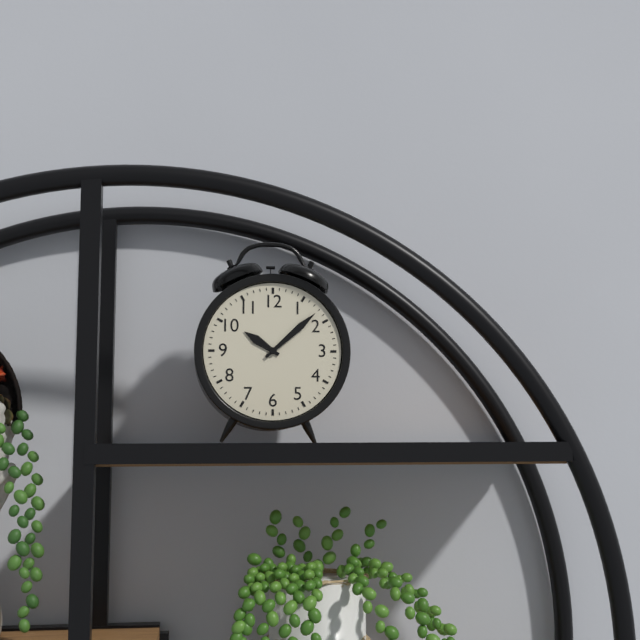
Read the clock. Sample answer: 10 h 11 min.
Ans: 10 h 08 min
